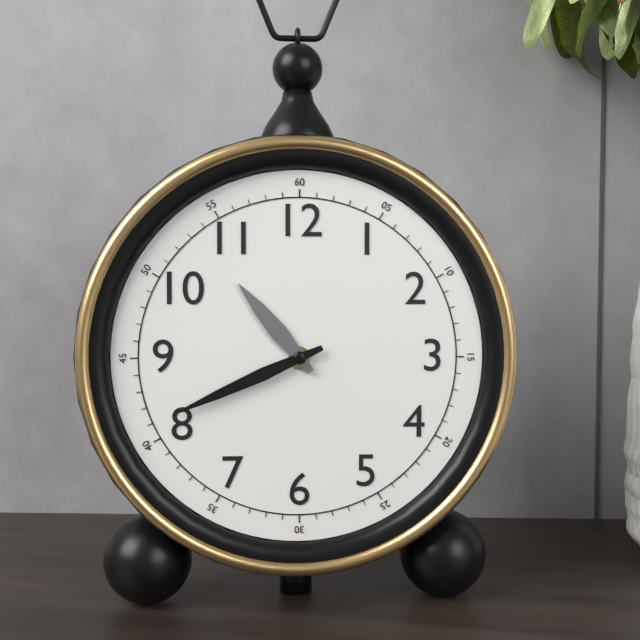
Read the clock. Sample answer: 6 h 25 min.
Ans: 10 h 41 min
